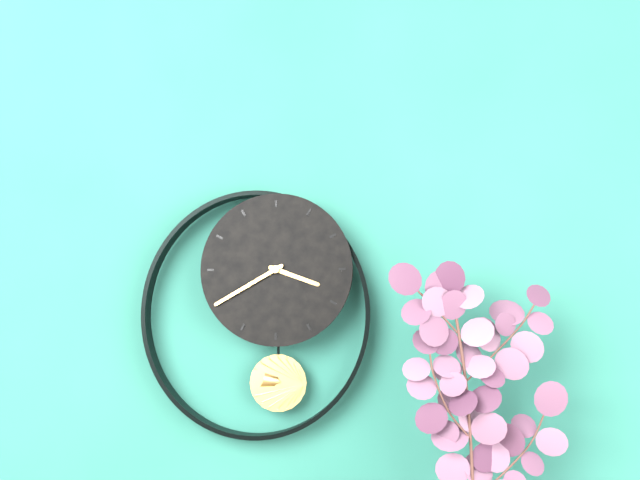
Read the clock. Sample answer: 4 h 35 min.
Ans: 3 h 40 min
